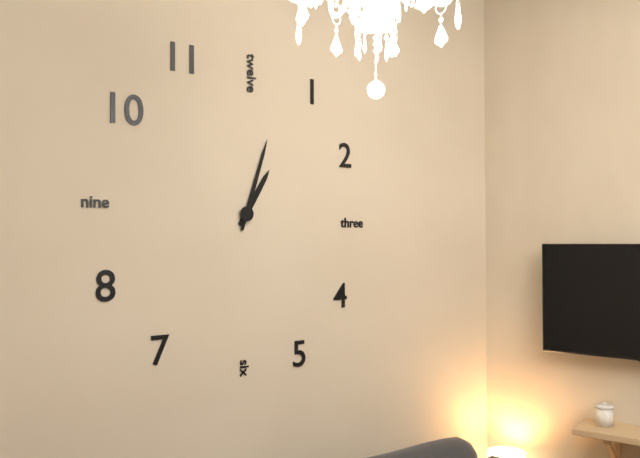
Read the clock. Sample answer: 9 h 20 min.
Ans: 1 h 03 min
